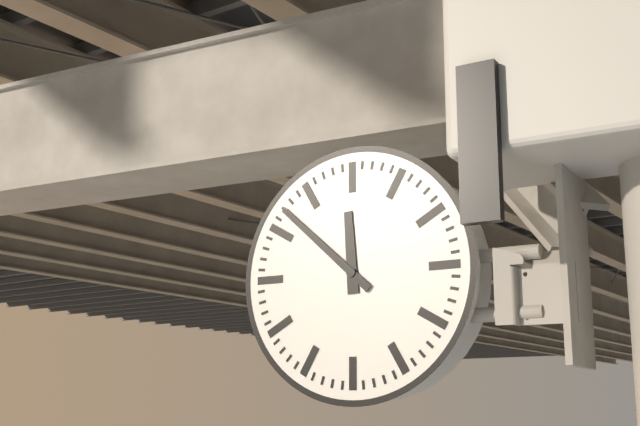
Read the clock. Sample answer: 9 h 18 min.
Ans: 11 h 52 min
